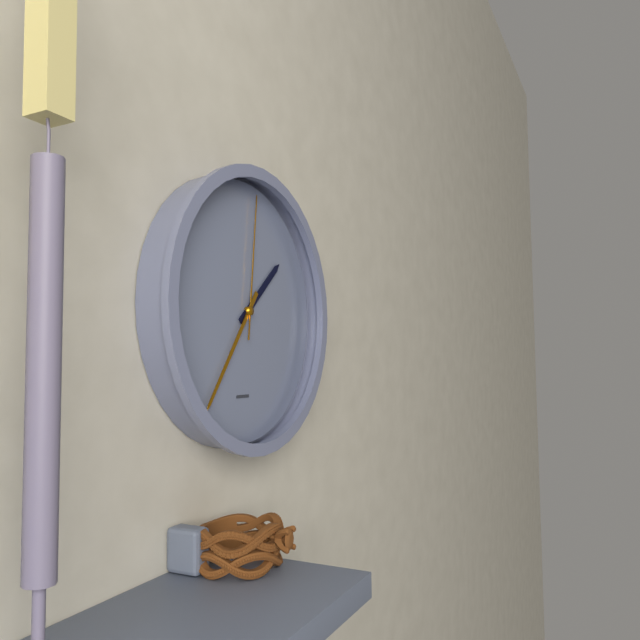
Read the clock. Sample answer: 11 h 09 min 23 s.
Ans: 1 h 36 min 01 s
